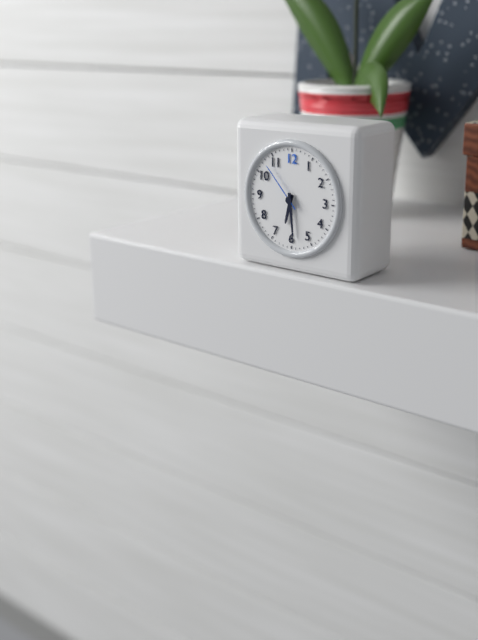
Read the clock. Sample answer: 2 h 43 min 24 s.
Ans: 6 h 29 min 53 s
